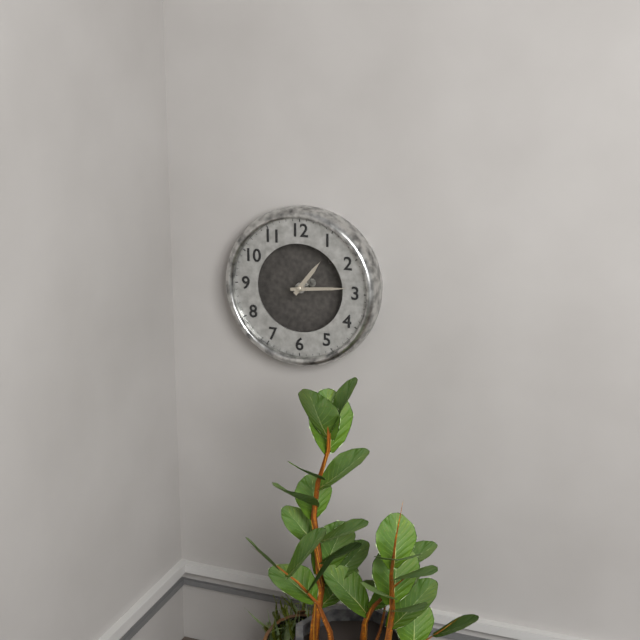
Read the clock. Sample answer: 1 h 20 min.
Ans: 1 h 14 min
